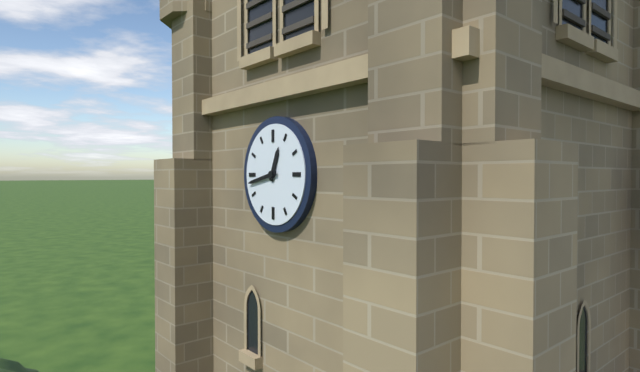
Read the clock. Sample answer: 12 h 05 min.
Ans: 12 h 43 min
